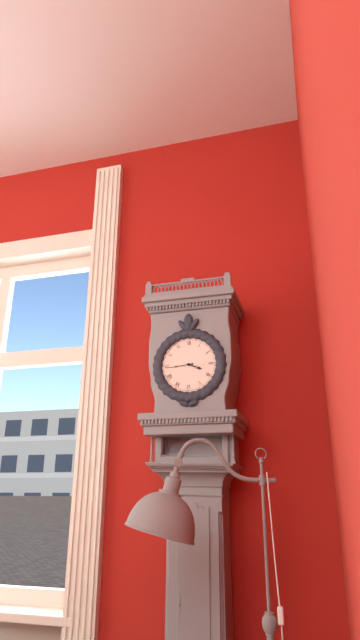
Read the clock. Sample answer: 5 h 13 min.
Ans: 3 h 44 min
